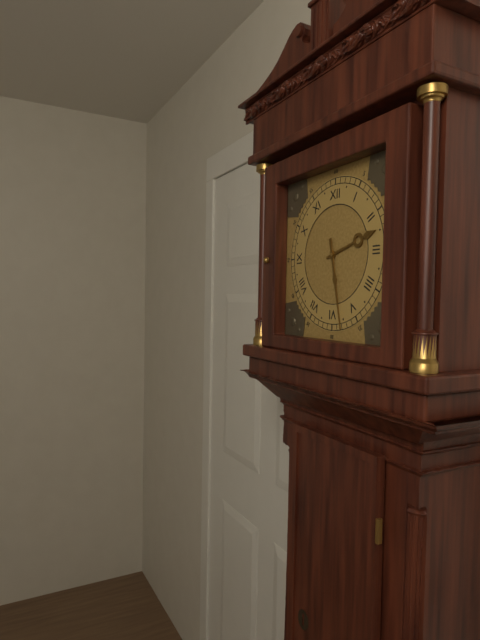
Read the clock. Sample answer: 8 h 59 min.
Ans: 2 h 28 min
